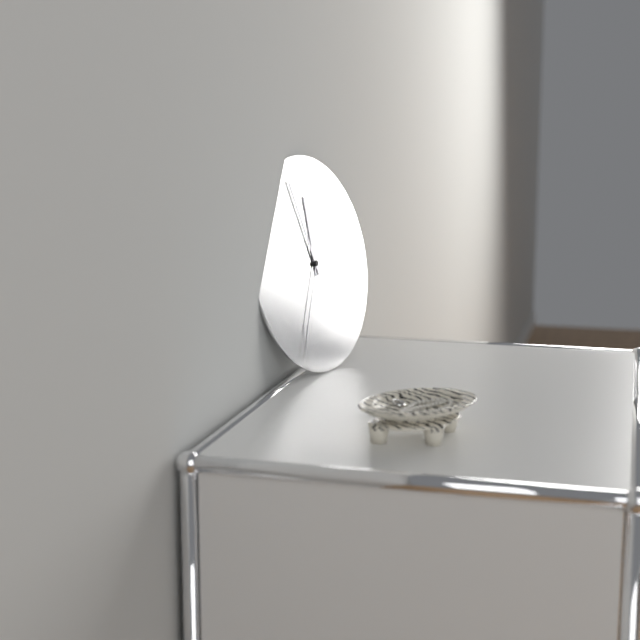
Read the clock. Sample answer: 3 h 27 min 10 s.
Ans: 11 h 57 min 35 s
